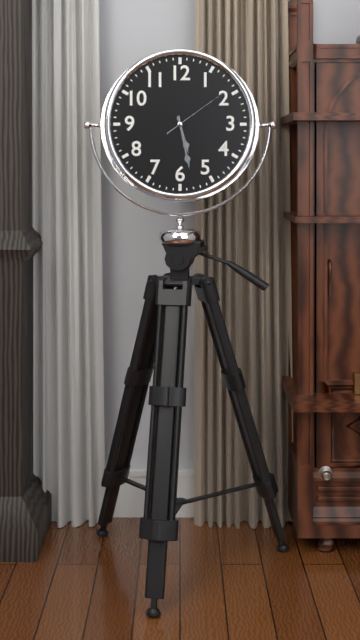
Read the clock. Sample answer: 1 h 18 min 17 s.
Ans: 5 h 28 min 09 s
